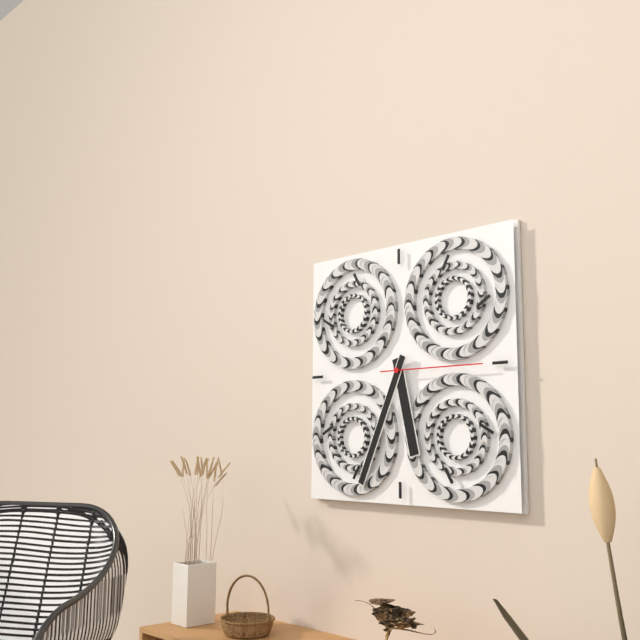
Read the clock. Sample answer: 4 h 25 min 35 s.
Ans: 5 h 34 min 15 s
